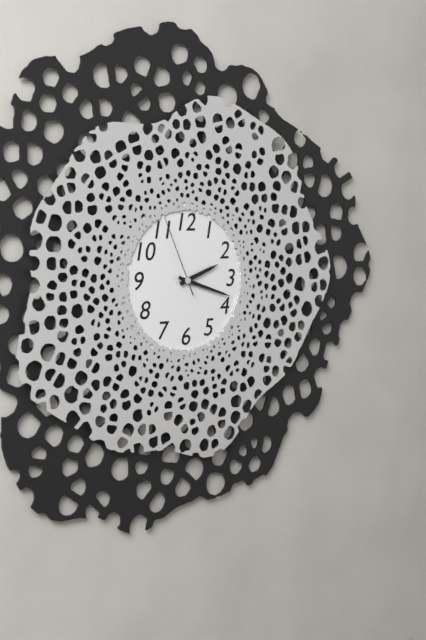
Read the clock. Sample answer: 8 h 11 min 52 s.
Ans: 2 h 18 min 56 s
